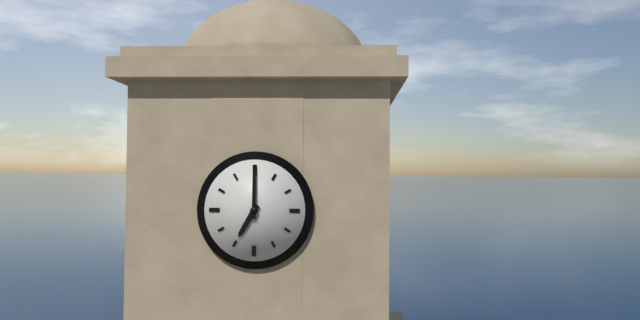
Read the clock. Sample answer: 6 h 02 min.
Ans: 7 h 00 min
